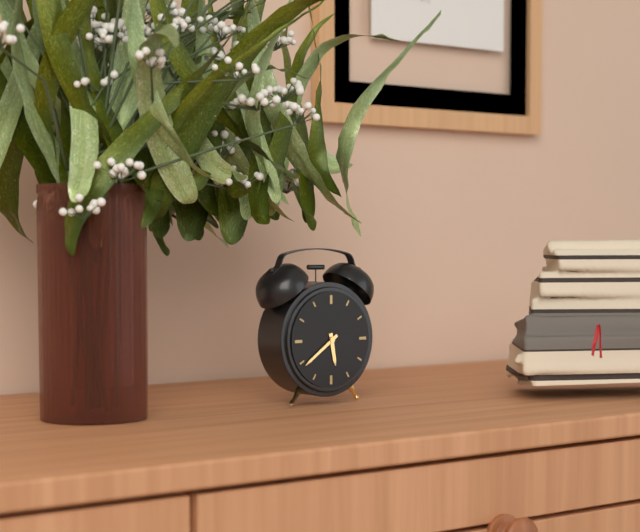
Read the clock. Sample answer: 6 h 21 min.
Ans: 5 h 39 min
